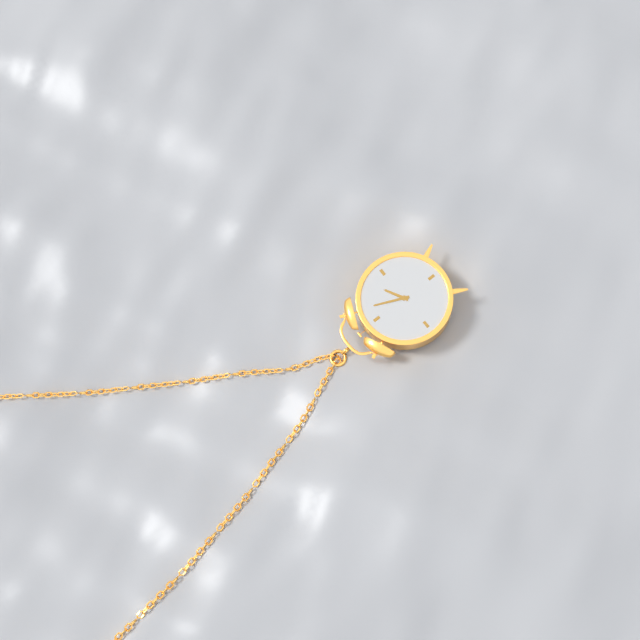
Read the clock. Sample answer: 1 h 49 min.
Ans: 2 h 04 min
